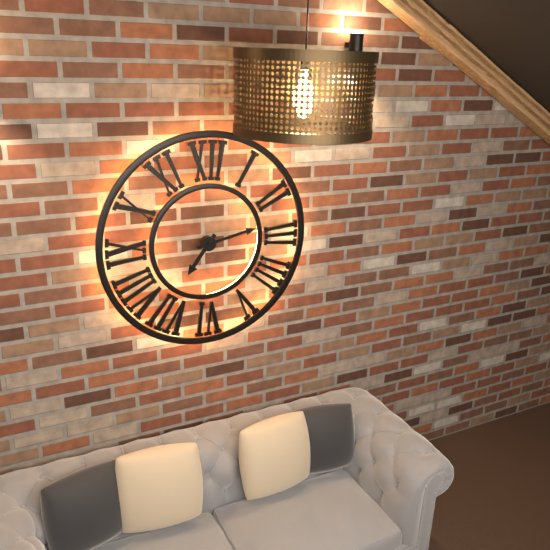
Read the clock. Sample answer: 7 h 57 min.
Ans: 7 h 13 min
